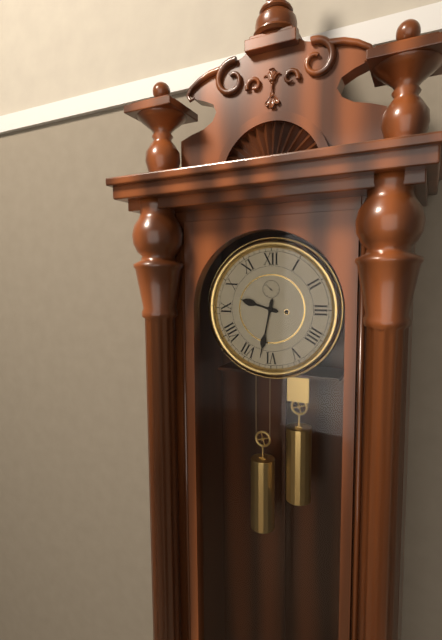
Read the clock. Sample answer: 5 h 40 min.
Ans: 9 h 32 min
